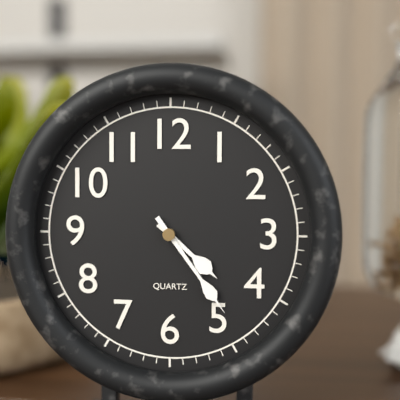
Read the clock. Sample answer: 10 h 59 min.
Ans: 4 h 24 min
